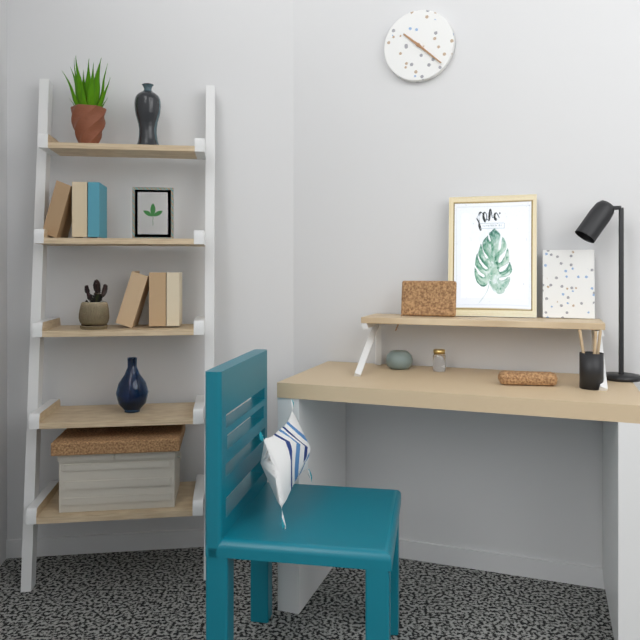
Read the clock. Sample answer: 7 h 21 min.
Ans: 10 h 22 min
